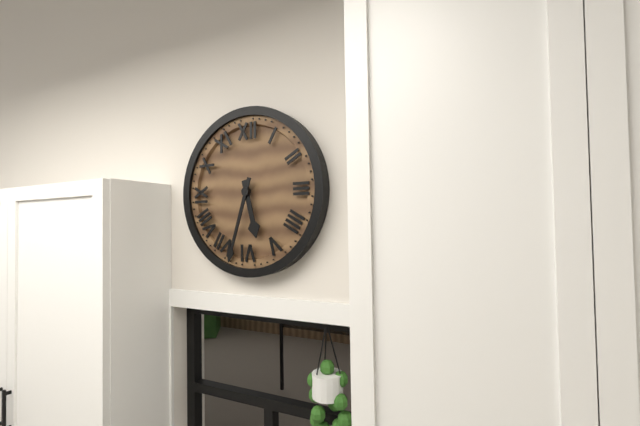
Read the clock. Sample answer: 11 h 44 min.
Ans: 5 h 33 min
